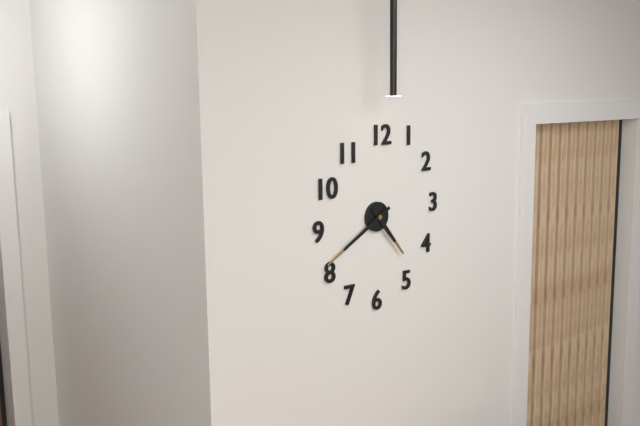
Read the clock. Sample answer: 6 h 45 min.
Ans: 4 h 40 min
